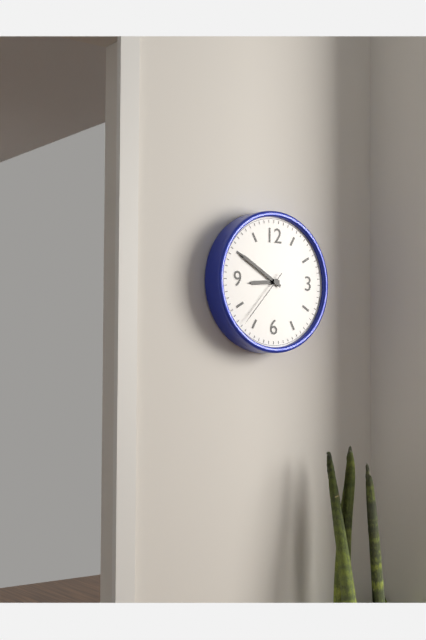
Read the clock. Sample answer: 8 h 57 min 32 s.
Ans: 8 h 50 min 37 s
